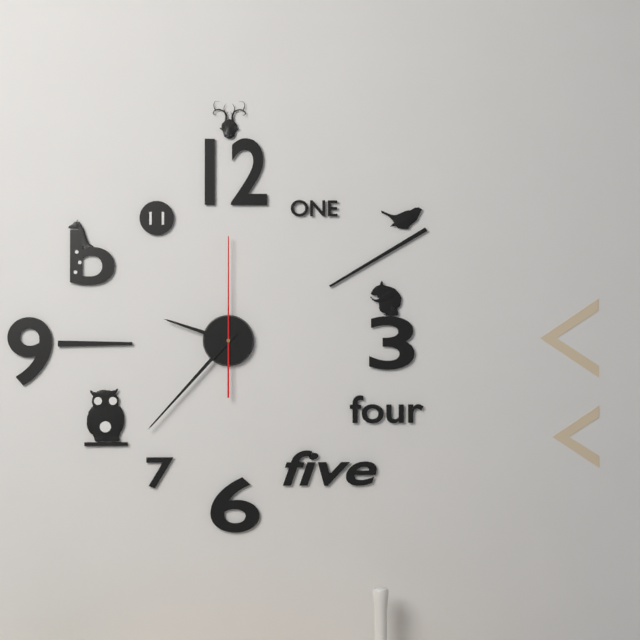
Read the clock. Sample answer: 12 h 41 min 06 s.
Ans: 9 h 37 min 00 s
